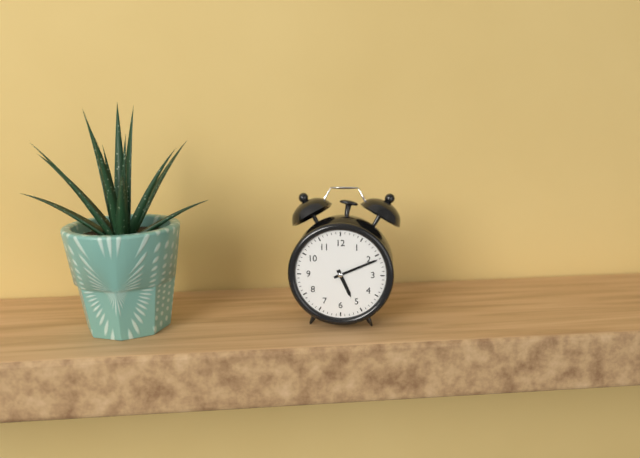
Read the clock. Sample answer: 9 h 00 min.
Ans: 5 h 11 min
